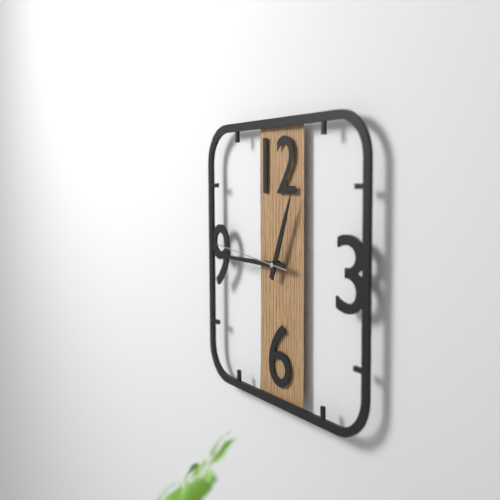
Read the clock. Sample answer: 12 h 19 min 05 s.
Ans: 12 h 45 min 46 s
